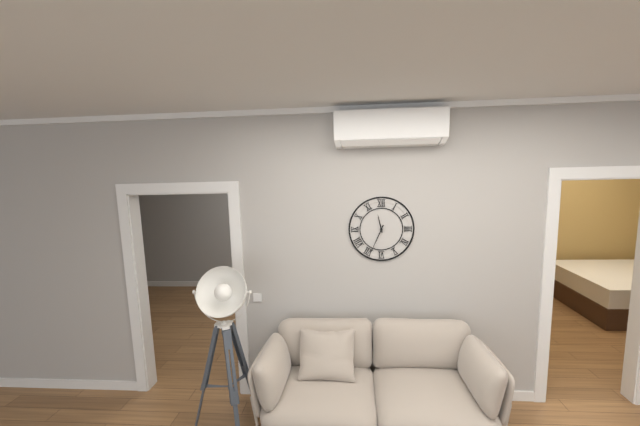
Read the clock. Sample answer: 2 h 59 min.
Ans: 11 h 34 min
